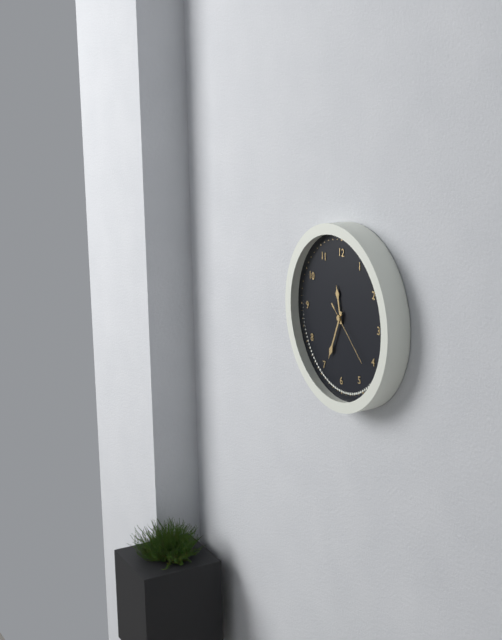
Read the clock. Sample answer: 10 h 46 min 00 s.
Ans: 11 h 34 min 22 s
